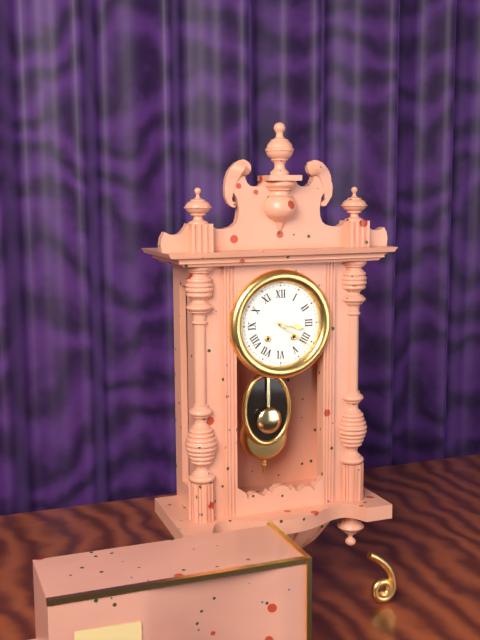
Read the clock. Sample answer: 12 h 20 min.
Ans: 3 h 21 min
